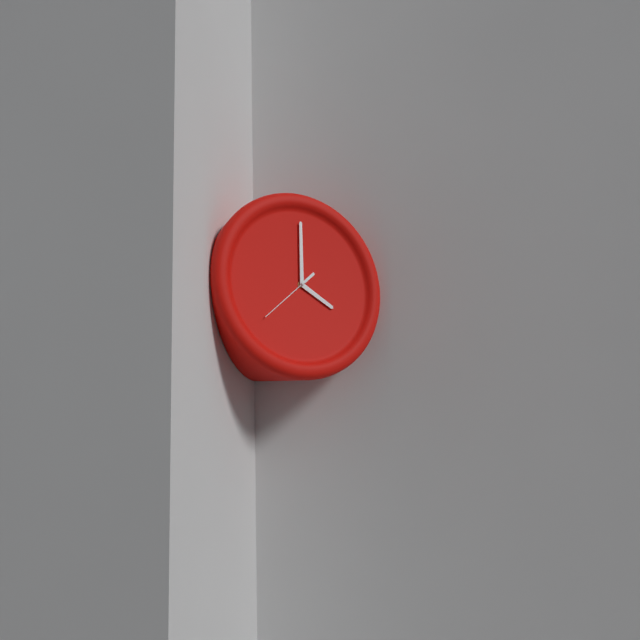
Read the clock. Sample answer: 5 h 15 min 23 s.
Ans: 4 h 00 min 38 s
